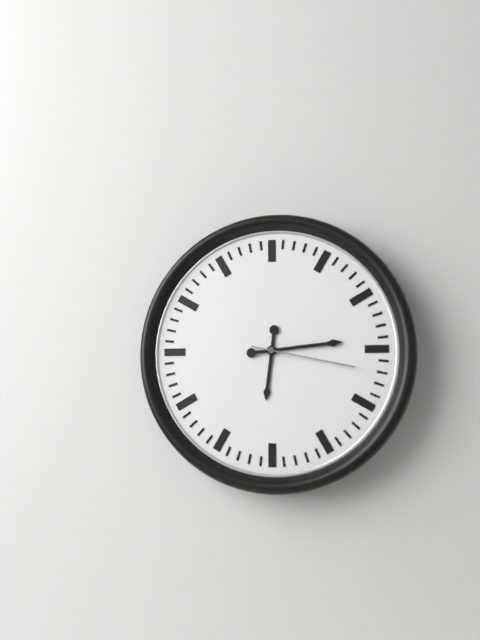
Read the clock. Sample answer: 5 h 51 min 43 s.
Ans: 6 h 14 min 17 s
